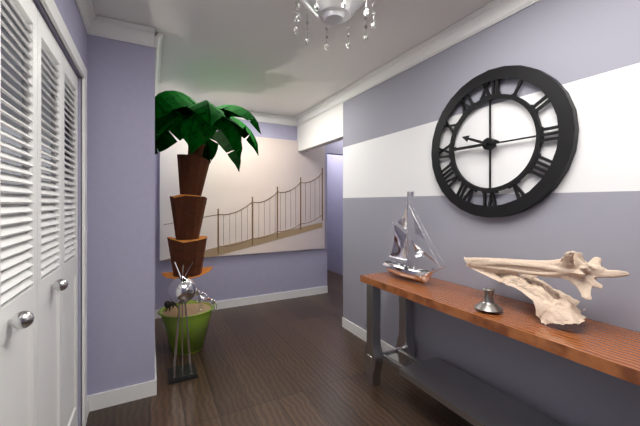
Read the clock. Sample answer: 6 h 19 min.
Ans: 9 h 45 min
